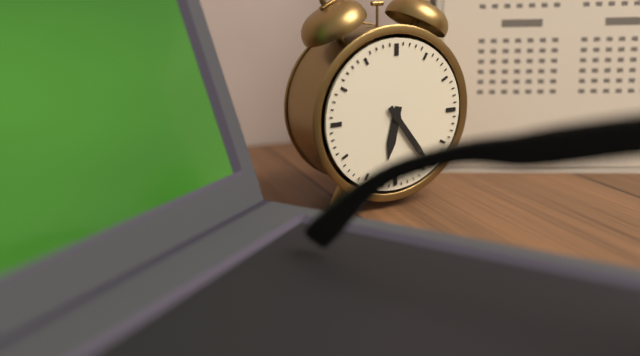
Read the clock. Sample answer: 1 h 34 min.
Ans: 6 h 24 min
